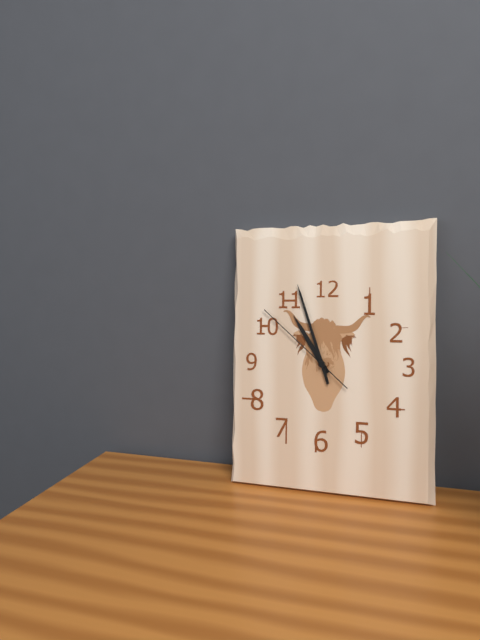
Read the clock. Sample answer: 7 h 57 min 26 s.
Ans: 10 h 57 min 52 s
